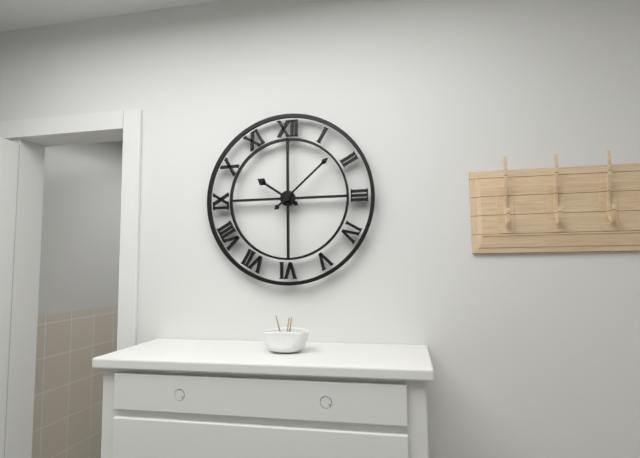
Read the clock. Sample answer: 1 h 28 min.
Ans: 10 h 08 min
